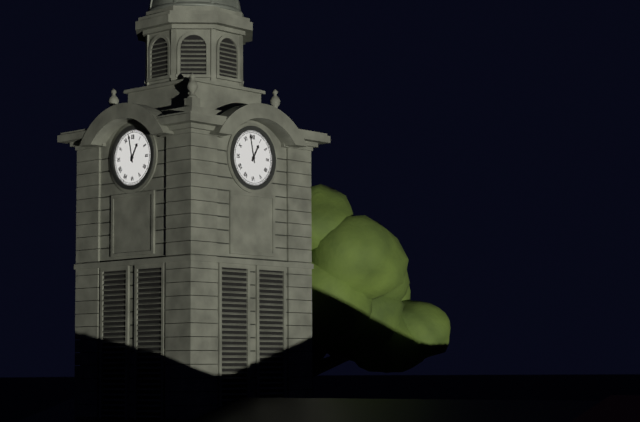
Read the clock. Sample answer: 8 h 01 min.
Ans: 12 h 58 min
